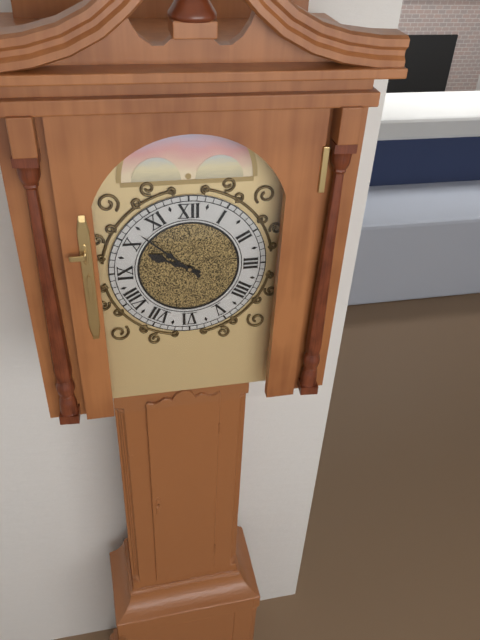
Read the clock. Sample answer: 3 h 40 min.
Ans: 9 h 52 min
